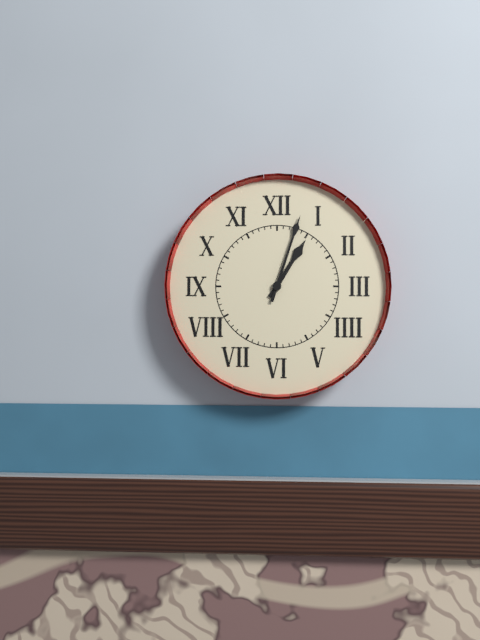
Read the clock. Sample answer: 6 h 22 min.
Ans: 1 h 03 min
